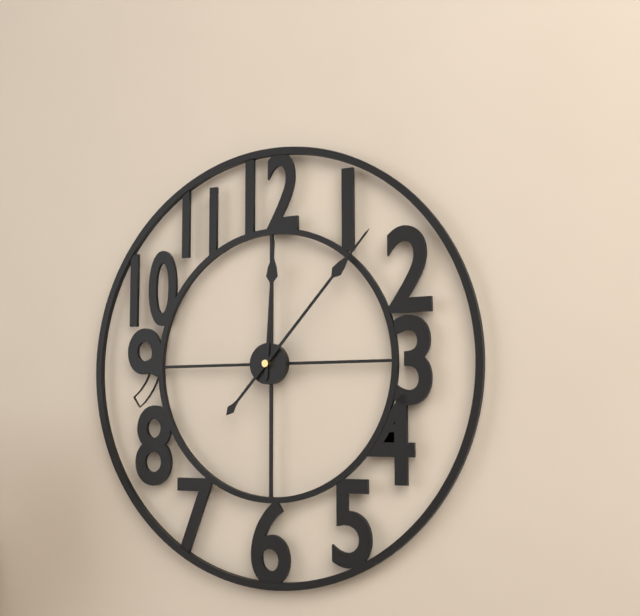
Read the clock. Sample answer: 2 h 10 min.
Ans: 12 h 07 min
